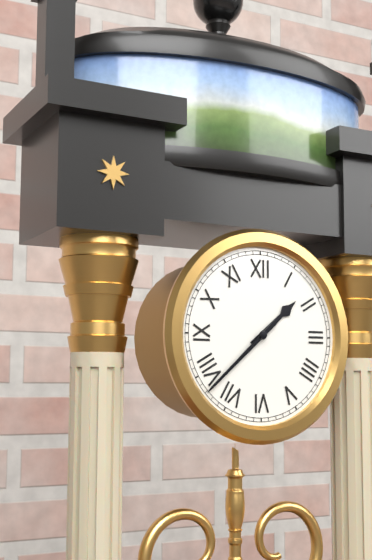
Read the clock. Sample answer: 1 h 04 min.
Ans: 1 h 38 min
